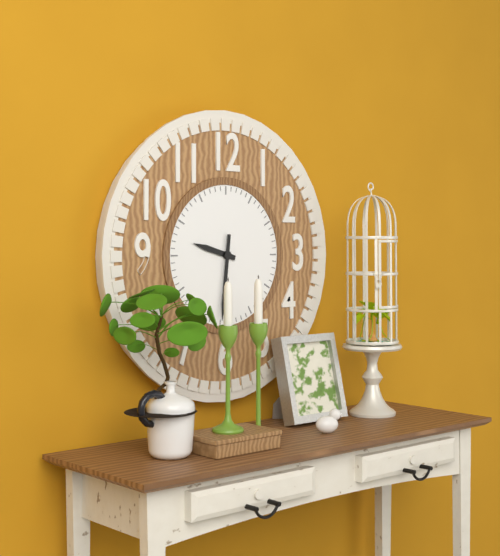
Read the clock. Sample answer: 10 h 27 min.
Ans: 9 h 31 min
